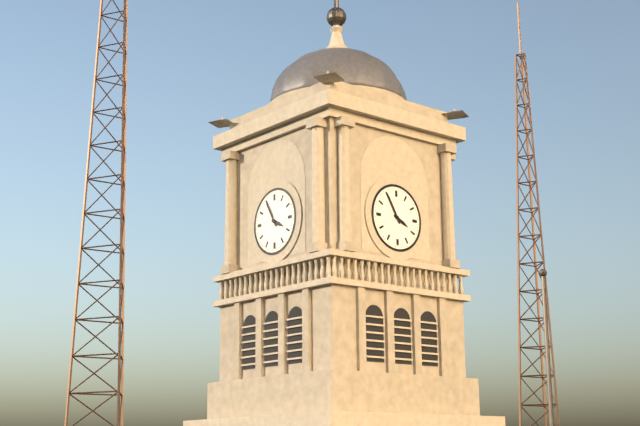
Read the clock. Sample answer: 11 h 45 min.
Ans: 3 h 55 min
